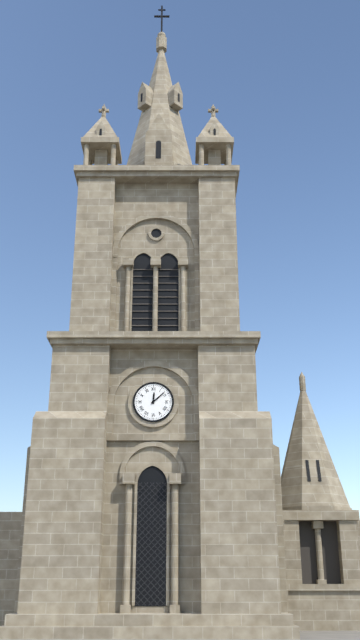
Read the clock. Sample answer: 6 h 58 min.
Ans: 12 h 08 min
